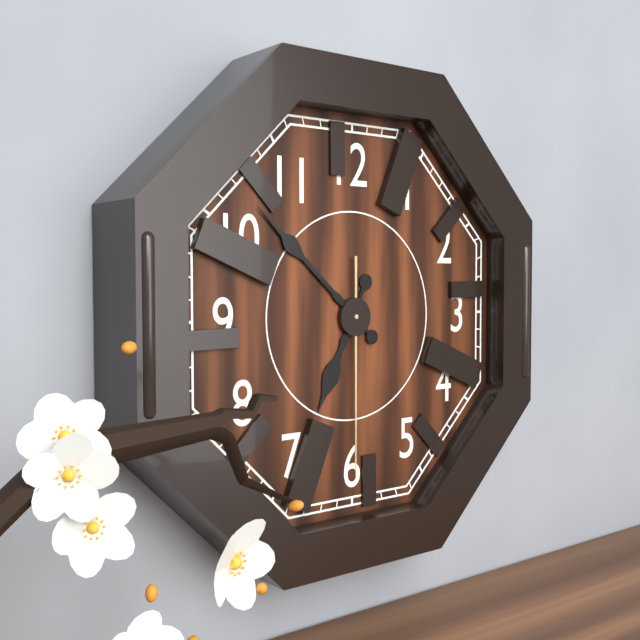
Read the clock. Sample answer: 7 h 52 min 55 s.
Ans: 6 h 52 min 30 s
